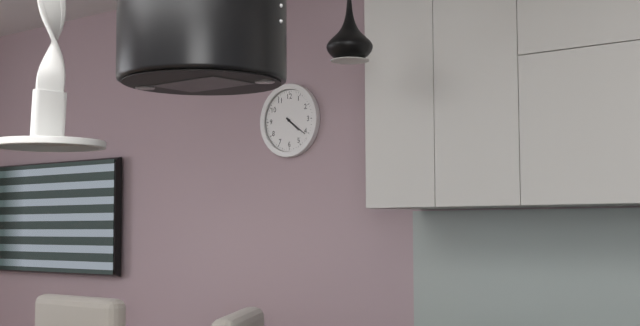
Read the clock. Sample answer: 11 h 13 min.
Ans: 4 h 21 min
